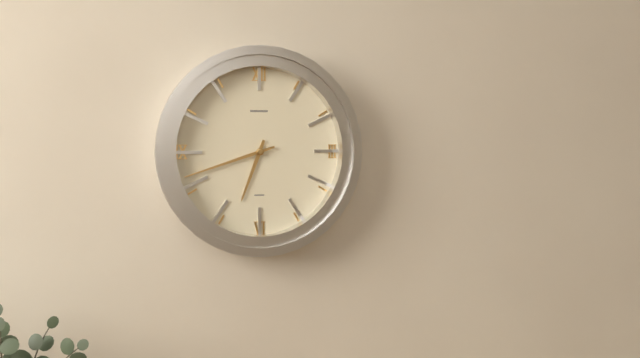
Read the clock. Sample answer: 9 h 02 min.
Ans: 6 h 42 min
